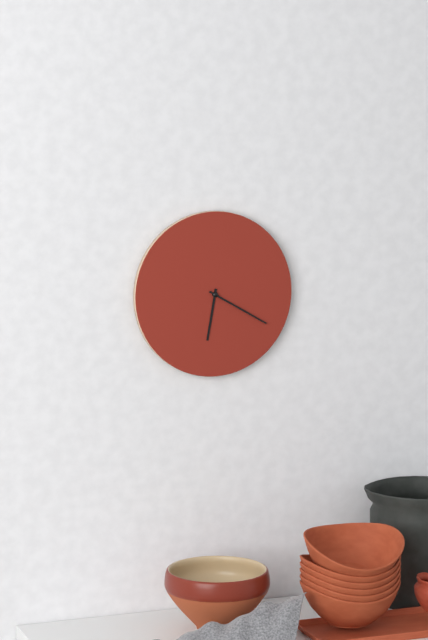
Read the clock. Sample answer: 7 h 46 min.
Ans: 6 h 20 min
